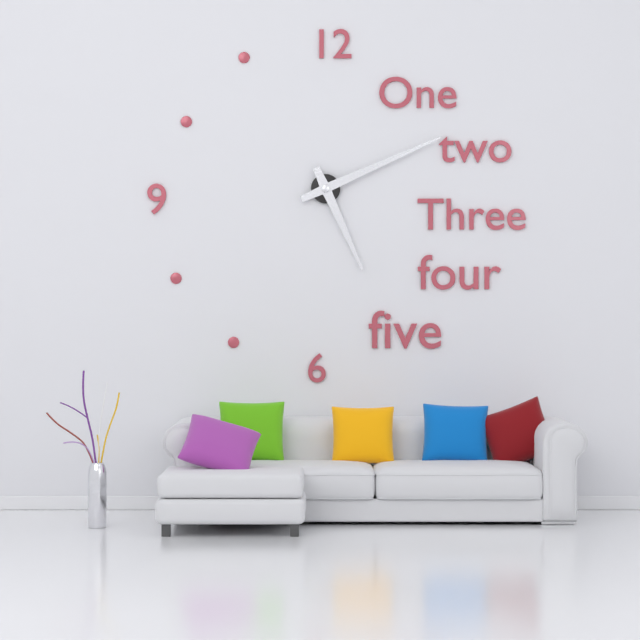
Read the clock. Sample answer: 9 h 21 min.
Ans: 5 h 11 min
